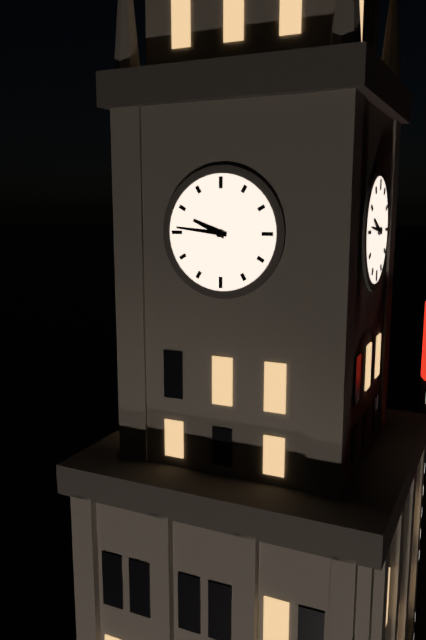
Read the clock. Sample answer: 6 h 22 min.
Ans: 9 h 46 min
